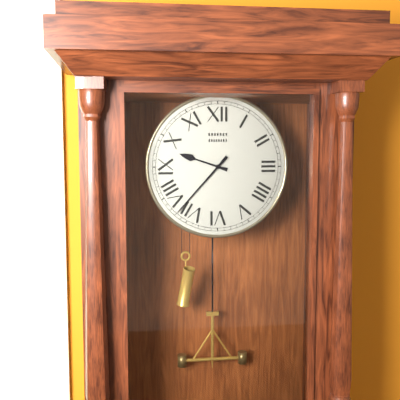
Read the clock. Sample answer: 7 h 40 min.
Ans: 9 h 37 min
